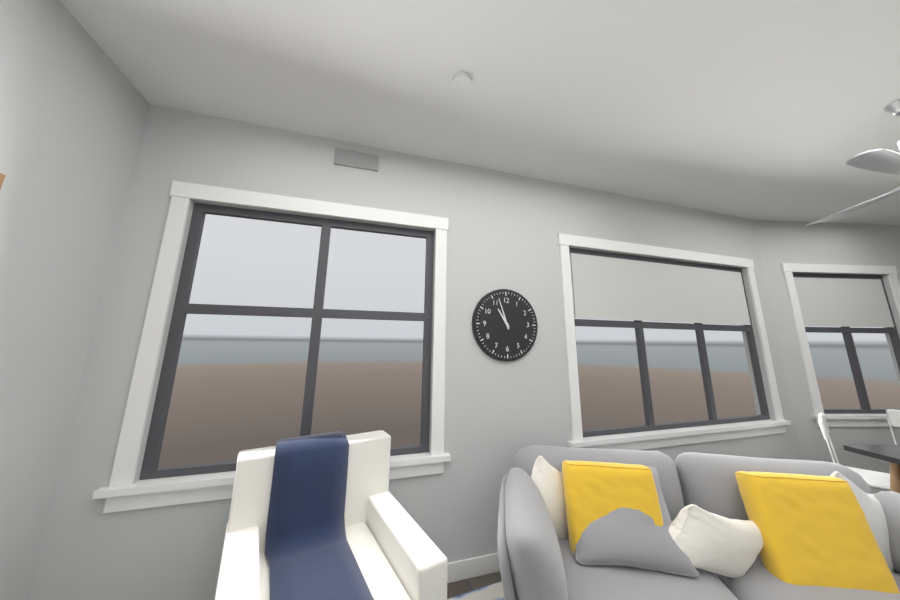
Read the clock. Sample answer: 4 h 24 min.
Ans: 10 h 57 min
